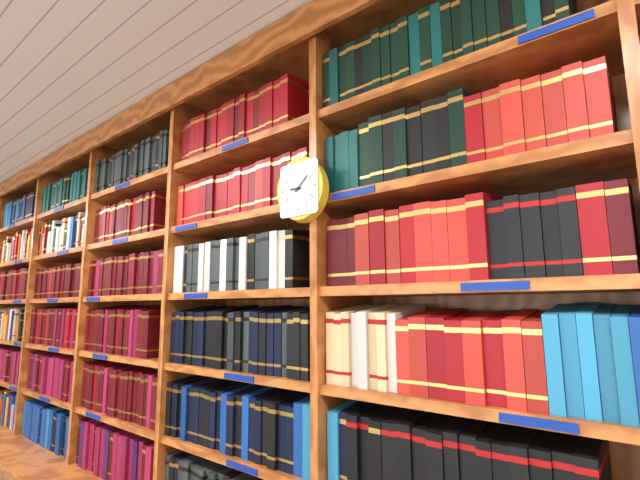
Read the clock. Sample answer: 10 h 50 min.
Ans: 9 h 08 min
